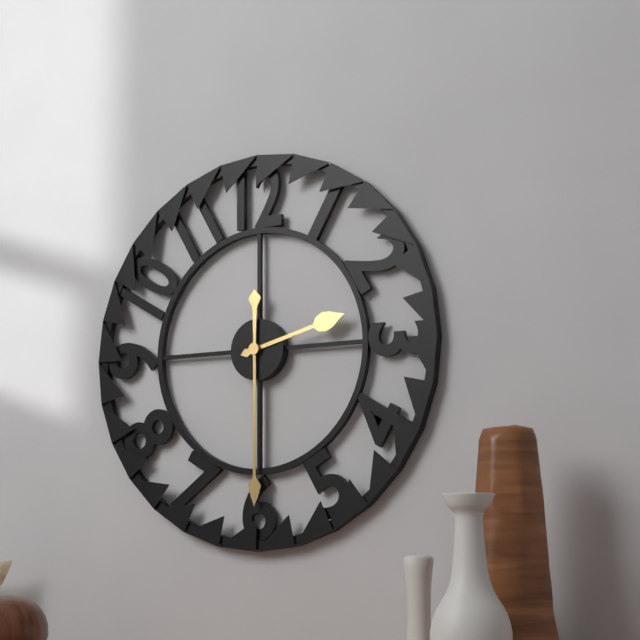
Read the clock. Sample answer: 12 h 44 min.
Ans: 2 h 30 min
